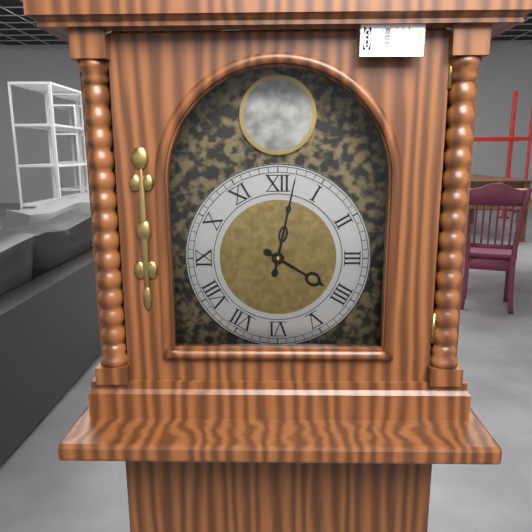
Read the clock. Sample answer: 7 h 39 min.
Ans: 4 h 02 min
